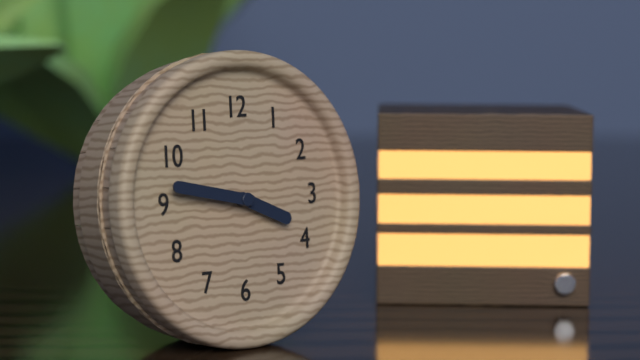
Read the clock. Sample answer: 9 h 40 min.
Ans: 3 h 47 min
